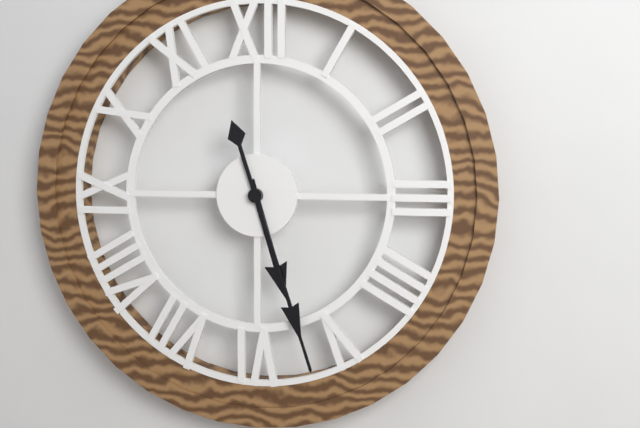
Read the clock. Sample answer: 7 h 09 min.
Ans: 5 h 27 min
